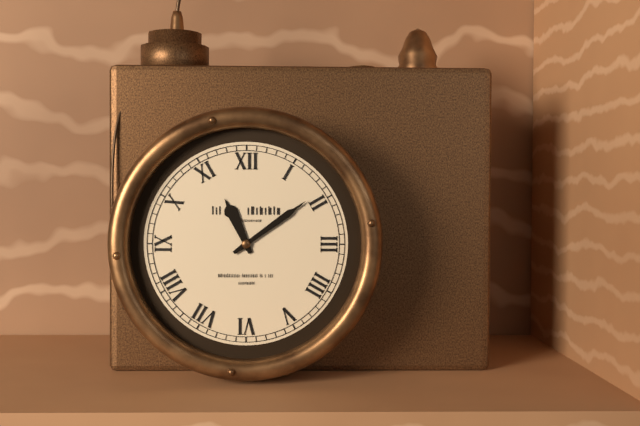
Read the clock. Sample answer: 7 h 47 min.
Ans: 11 h 09 min
